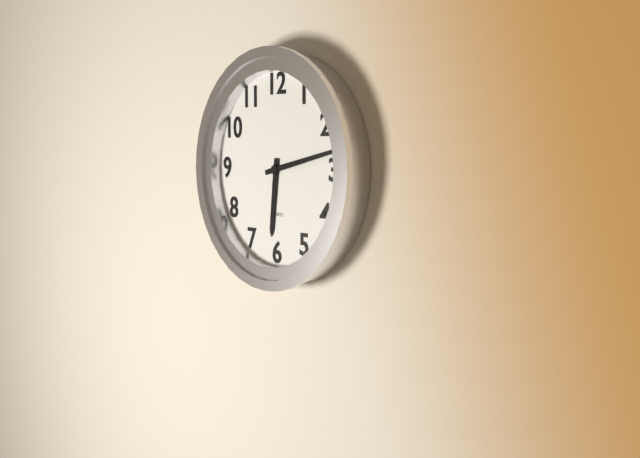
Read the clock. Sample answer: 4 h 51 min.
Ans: 6 h 13 min
